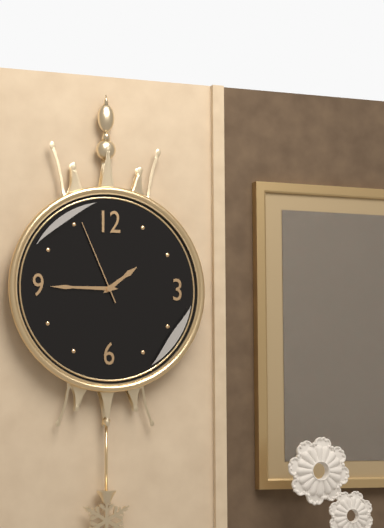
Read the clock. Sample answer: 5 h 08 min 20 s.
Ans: 1 h 45 min 56 s
